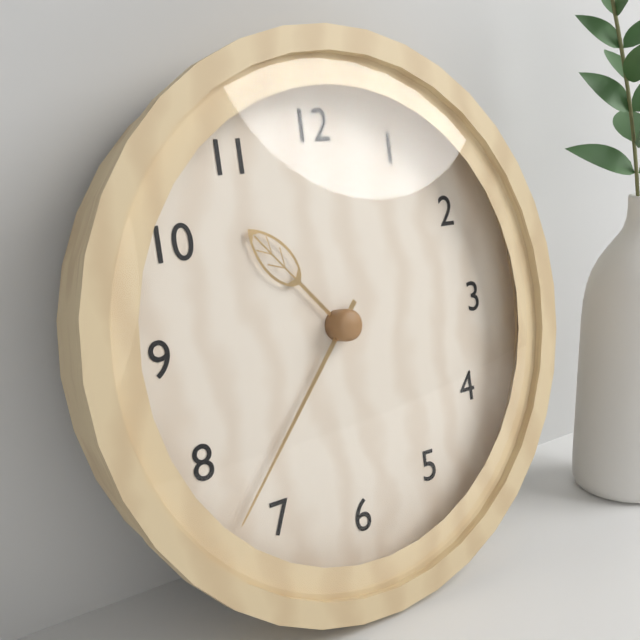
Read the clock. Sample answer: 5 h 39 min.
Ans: 10 h 37 min
